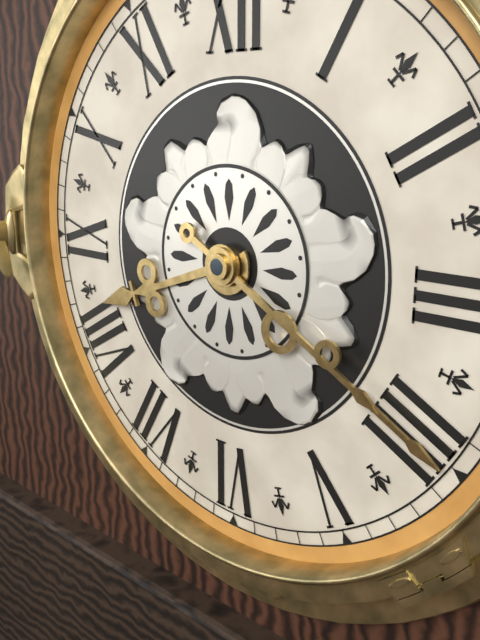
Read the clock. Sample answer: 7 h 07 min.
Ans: 8 h 20 min
